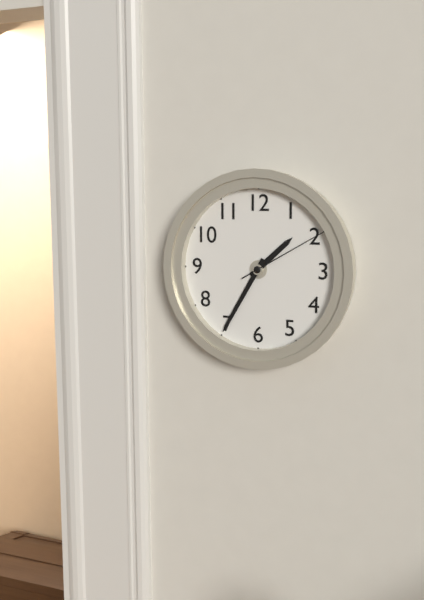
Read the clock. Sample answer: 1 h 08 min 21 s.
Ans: 1 h 35 min 10 s
